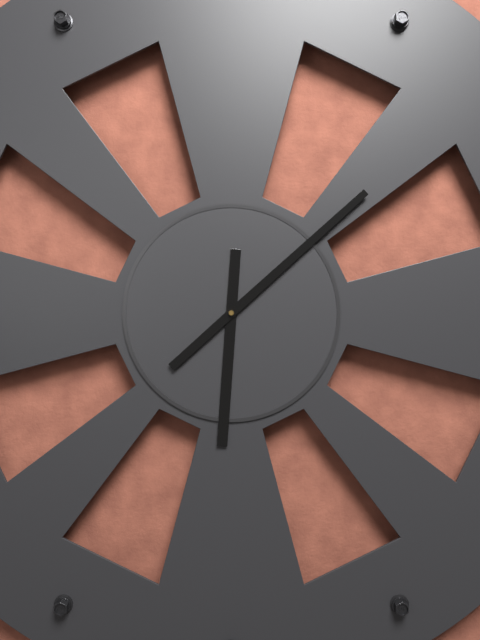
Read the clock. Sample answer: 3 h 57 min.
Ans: 6 h 08 min
